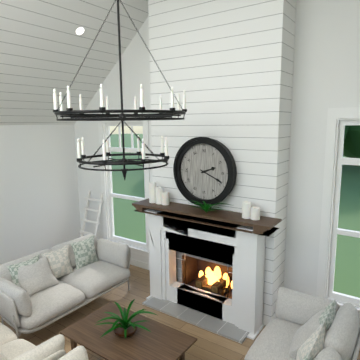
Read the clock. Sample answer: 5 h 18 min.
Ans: 2 h 19 min
